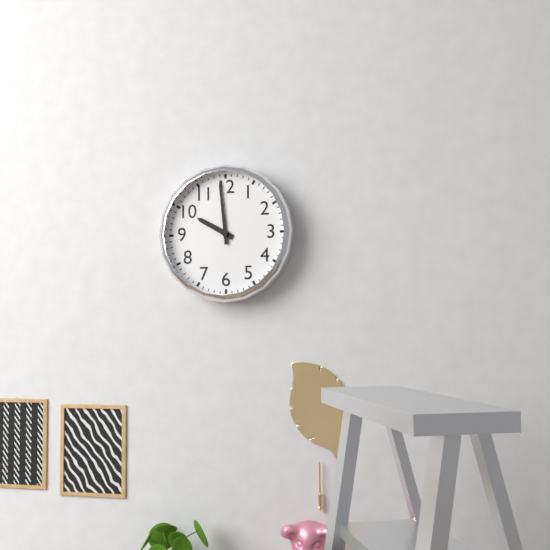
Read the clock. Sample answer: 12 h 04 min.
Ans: 9 h 59 min
